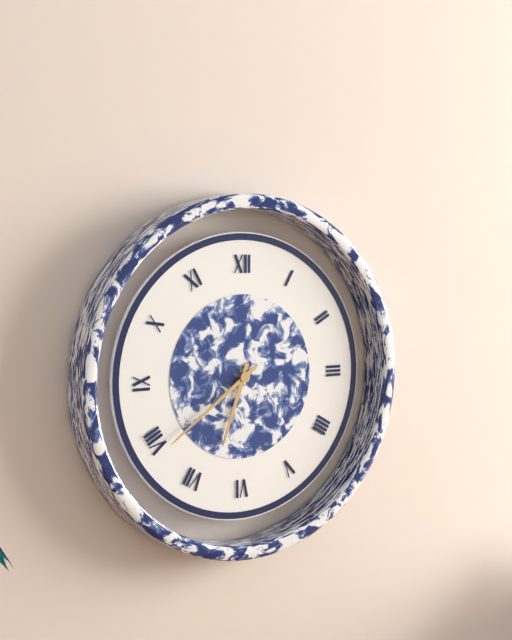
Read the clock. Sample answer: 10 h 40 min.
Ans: 6 h 39 min
